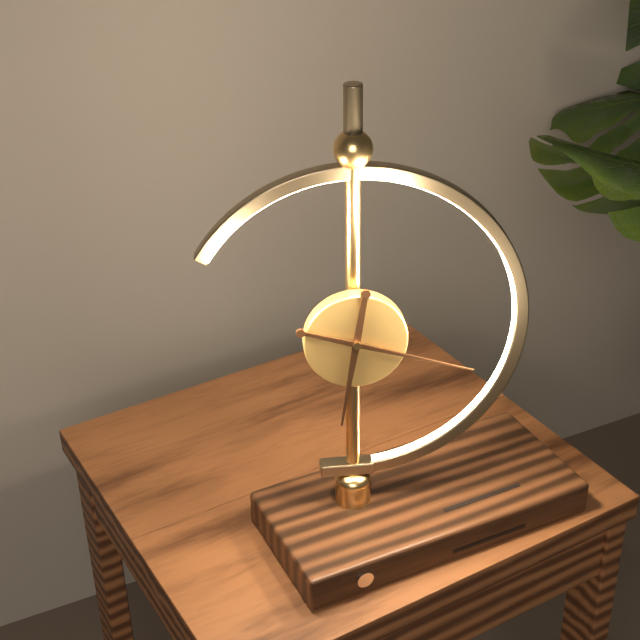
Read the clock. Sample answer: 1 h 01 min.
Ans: 6 h 18 min
